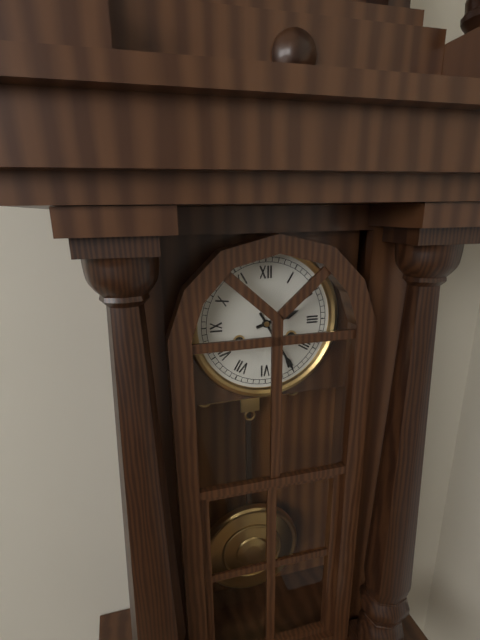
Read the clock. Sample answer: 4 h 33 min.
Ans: 2 h 25 min
